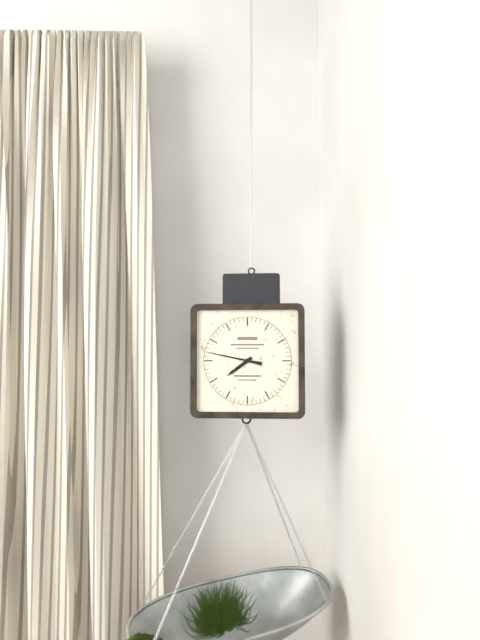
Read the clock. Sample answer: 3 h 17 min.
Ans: 7 h 47 min
